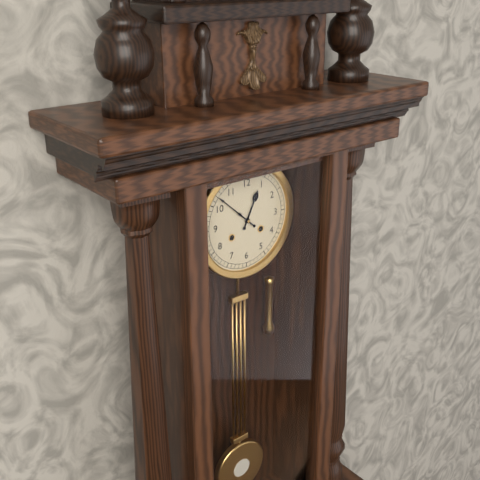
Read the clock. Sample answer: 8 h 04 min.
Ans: 12 h 52 min
